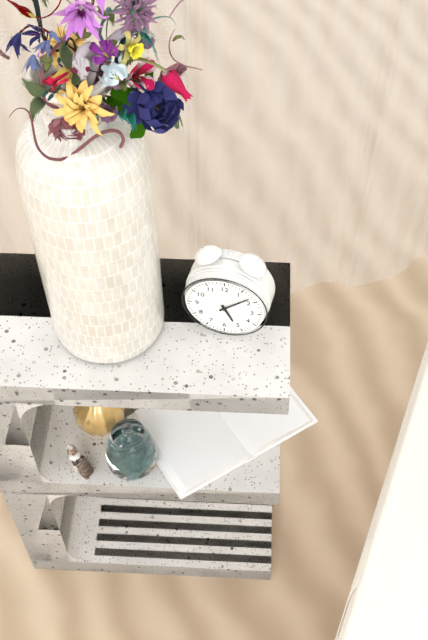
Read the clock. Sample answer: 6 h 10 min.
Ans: 5 h 08 min
